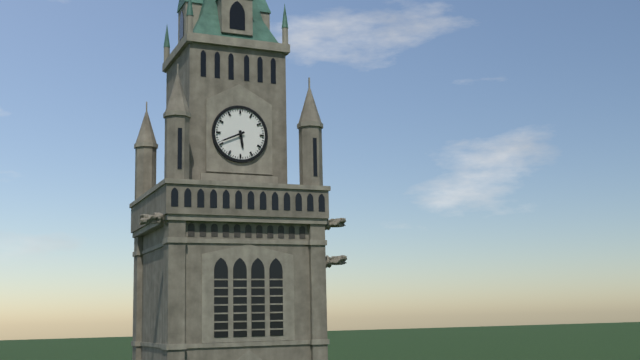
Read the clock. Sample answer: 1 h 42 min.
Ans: 5 h 41 min
